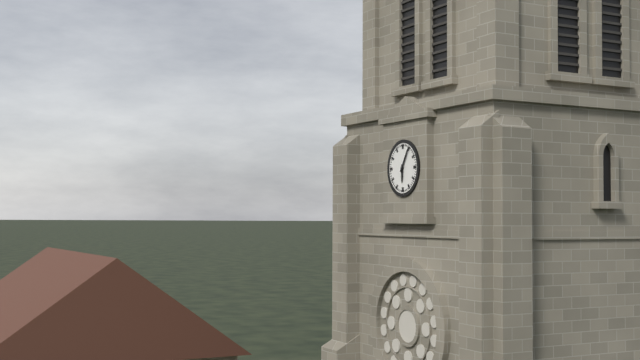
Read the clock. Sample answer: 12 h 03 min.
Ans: 6 h 05 min
